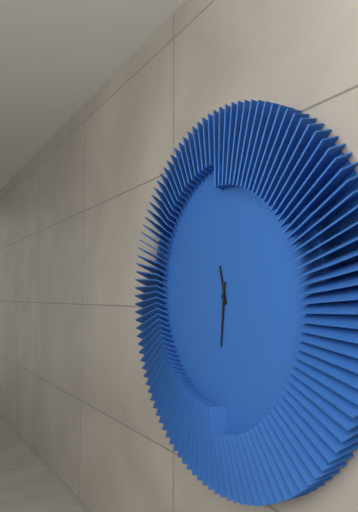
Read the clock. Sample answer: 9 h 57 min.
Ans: 11 h 31 min
